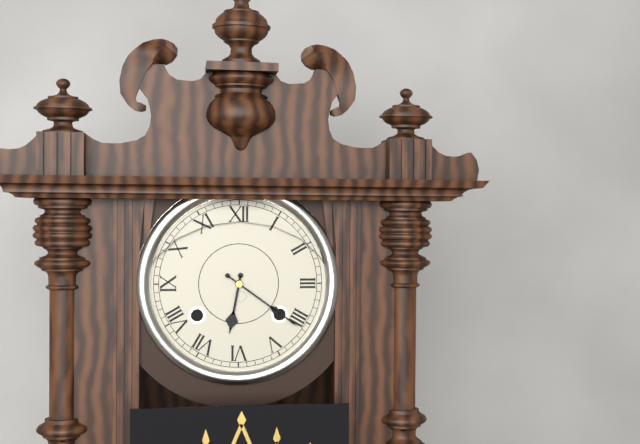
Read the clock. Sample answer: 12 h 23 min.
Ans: 6 h 21 min
